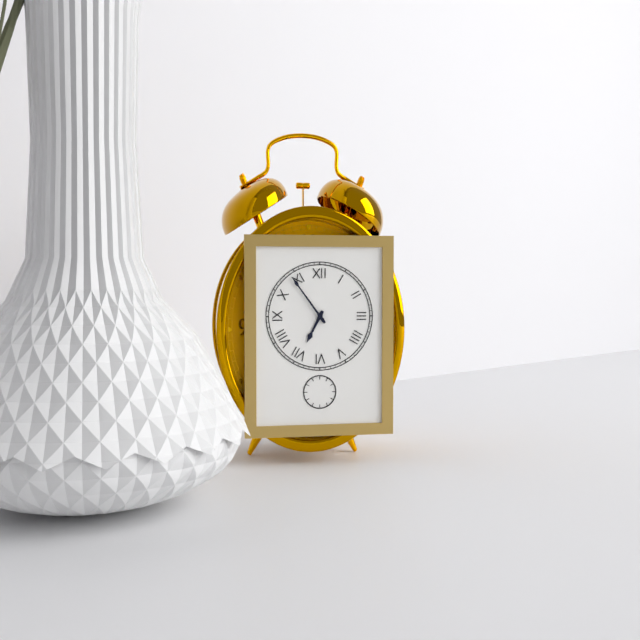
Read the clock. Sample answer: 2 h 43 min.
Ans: 6 h 54 min
